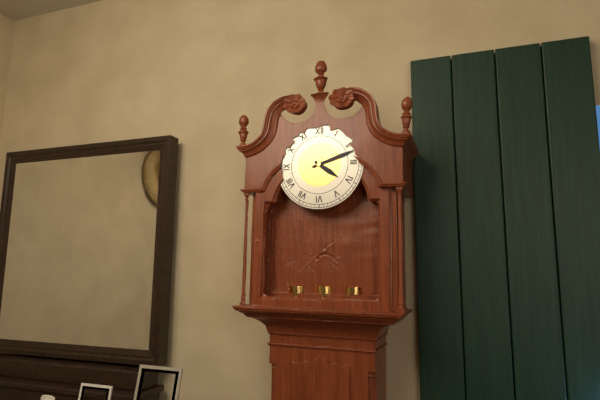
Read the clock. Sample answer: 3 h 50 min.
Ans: 4 h 12 min
